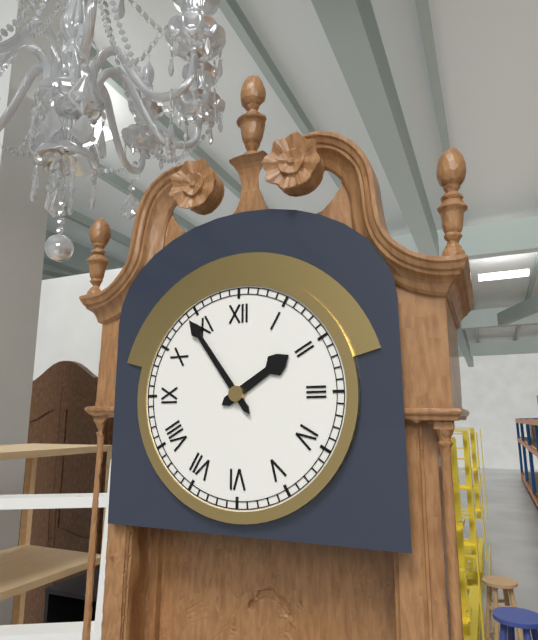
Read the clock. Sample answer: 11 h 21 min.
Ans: 1 h 54 min
